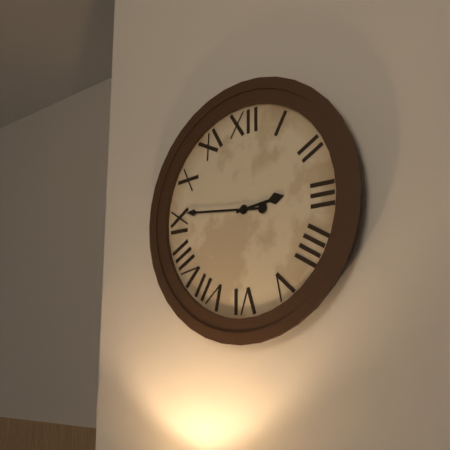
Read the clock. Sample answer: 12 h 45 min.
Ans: 2 h 46 min
